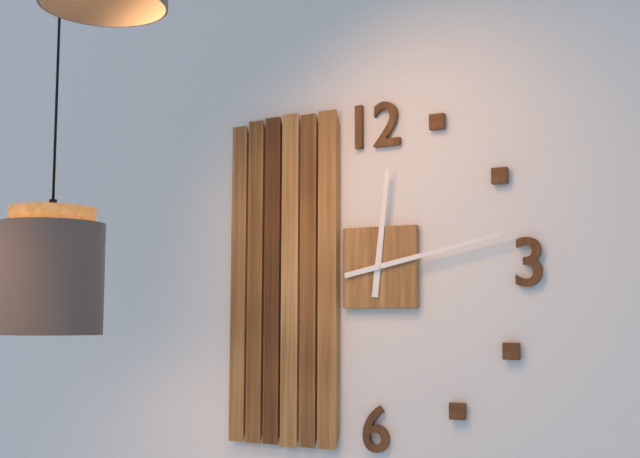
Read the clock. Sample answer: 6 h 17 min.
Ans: 12 h 13 min
